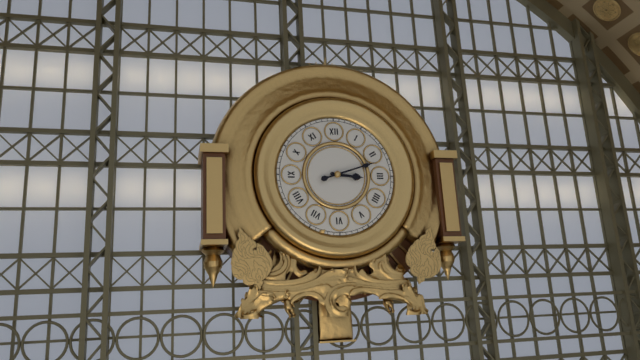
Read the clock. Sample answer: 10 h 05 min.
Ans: 3 h 12 min
